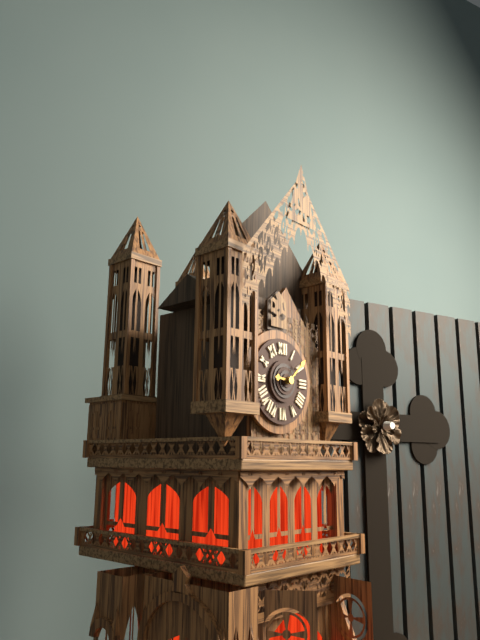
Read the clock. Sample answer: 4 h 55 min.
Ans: 9 h 08 min
